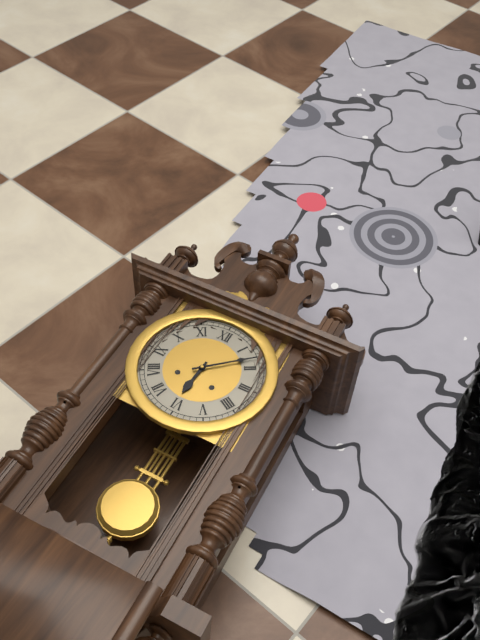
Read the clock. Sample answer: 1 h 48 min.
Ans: 6 h 08 min
